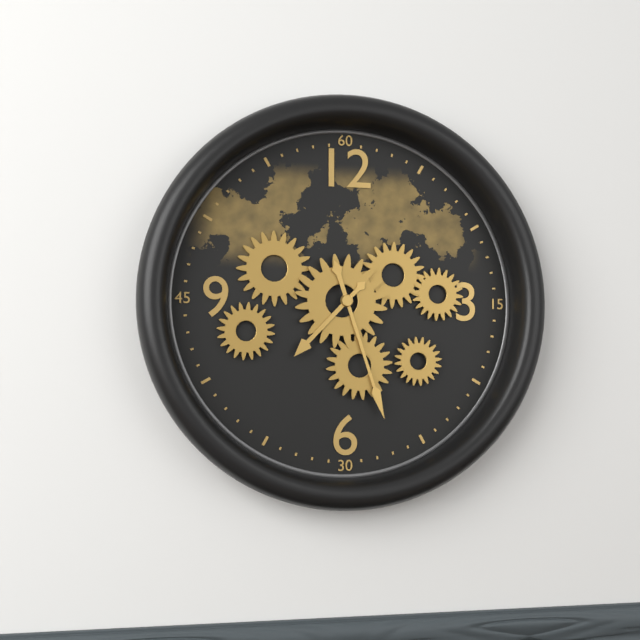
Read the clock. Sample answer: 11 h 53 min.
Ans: 7 h 27 min
